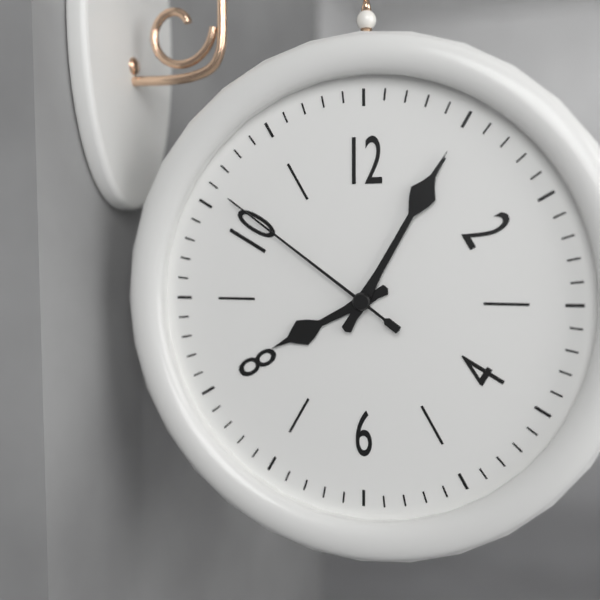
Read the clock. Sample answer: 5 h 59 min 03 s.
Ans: 8 h 05 min 51 s
